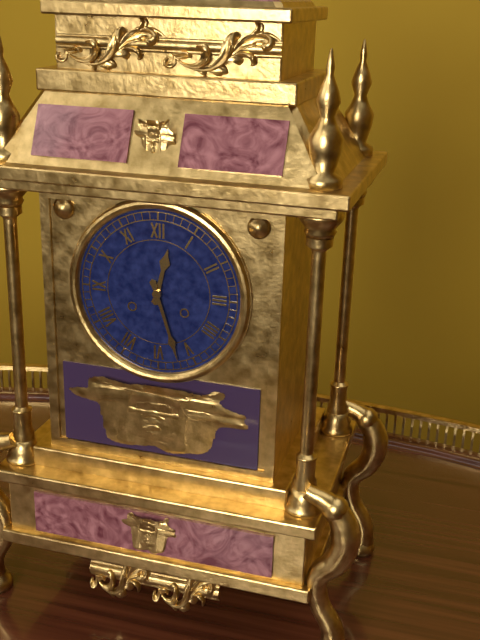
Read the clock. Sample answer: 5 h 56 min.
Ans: 12 h 27 min
